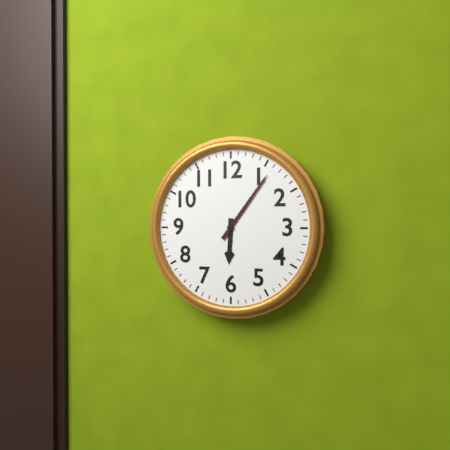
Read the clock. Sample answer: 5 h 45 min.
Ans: 6 h 06 min
